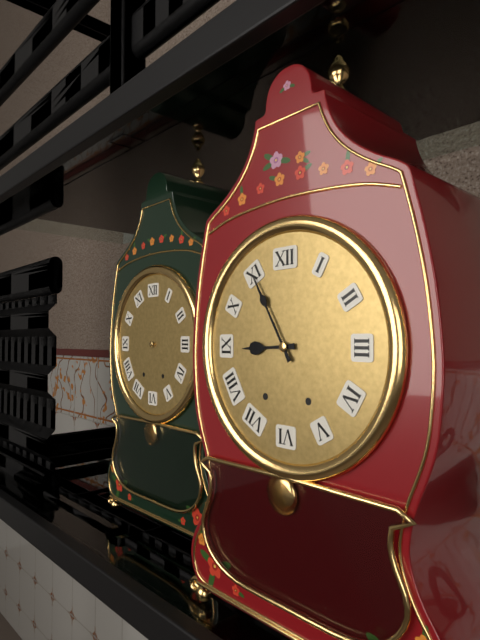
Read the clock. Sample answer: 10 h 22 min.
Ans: 8 h 55 min
